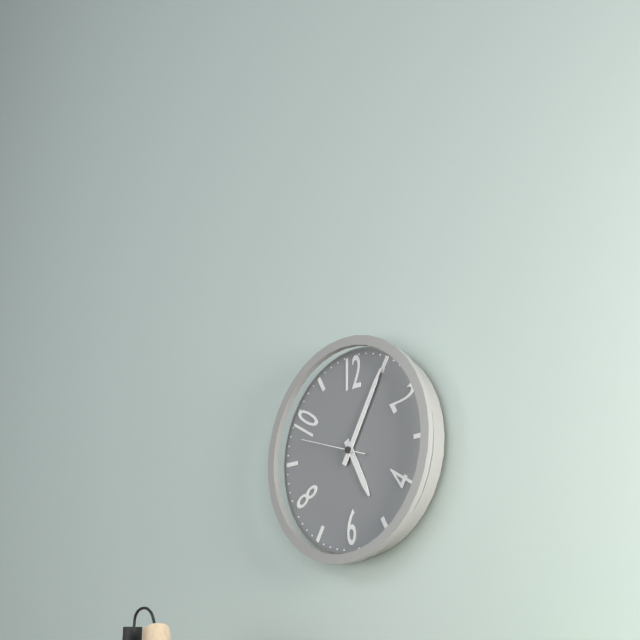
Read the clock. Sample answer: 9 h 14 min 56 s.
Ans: 5 h 05 min 48 s
